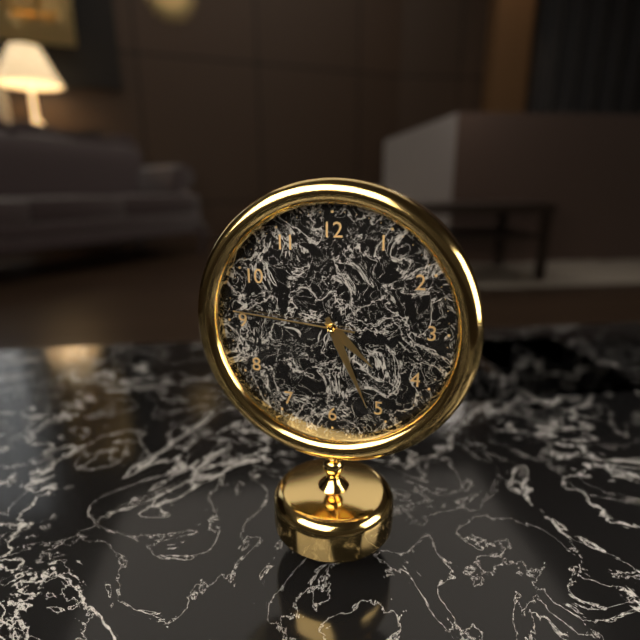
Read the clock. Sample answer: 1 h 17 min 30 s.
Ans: 4 h 26 min 46 s
